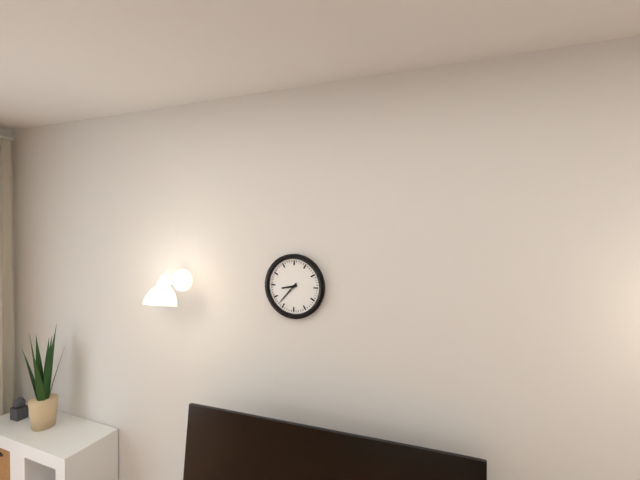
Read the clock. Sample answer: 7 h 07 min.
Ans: 8 h 37 min
